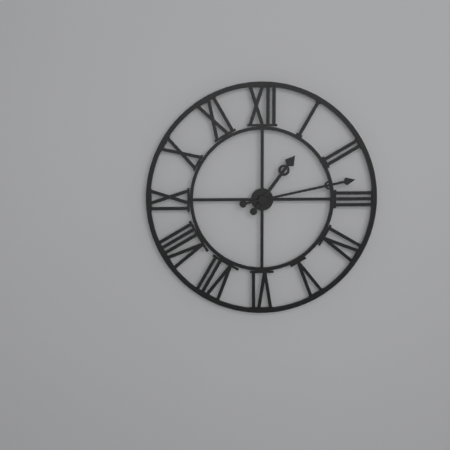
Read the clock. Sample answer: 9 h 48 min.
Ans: 1 h 13 min
